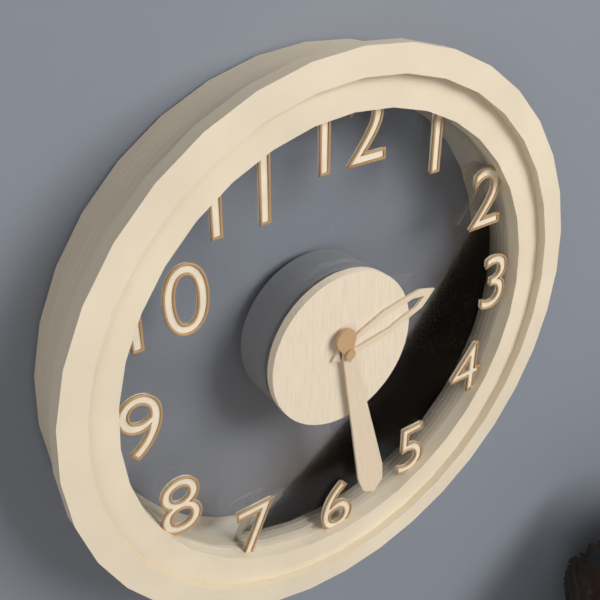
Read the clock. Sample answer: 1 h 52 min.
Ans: 2 h 28 min
